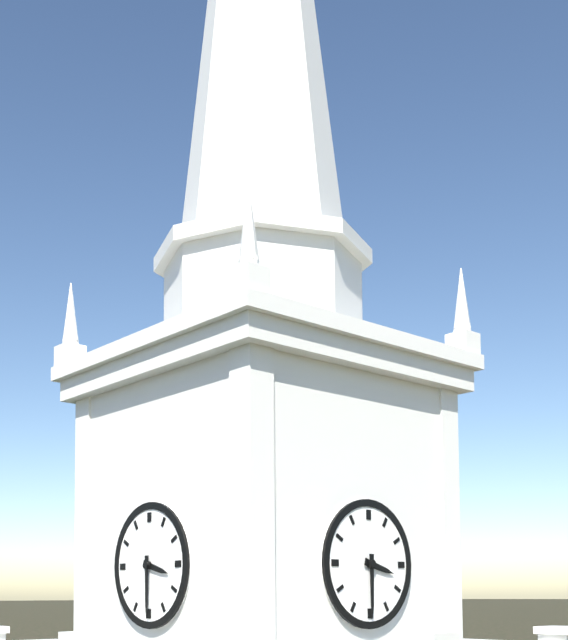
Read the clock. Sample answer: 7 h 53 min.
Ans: 3 h 30 min
